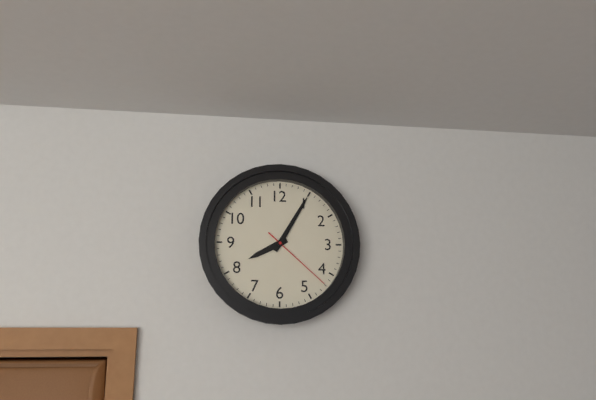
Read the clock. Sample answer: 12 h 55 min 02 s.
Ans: 8 h 05 min 22 s
